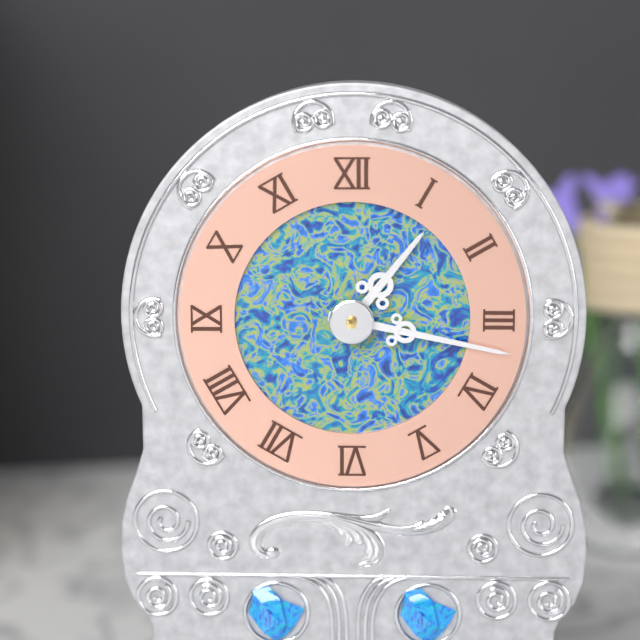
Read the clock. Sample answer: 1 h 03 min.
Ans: 1 h 17 min
